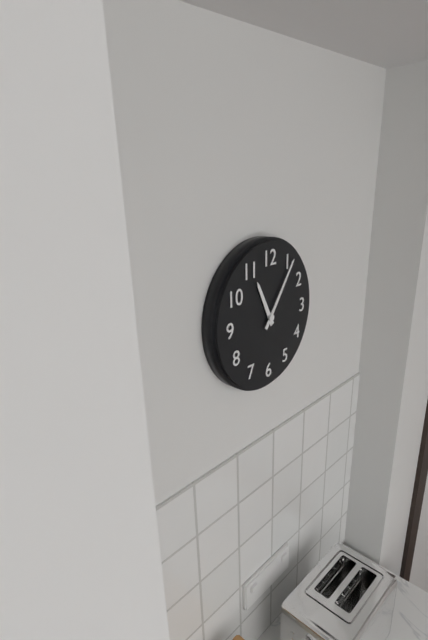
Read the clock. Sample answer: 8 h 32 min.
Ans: 11 h 06 min
